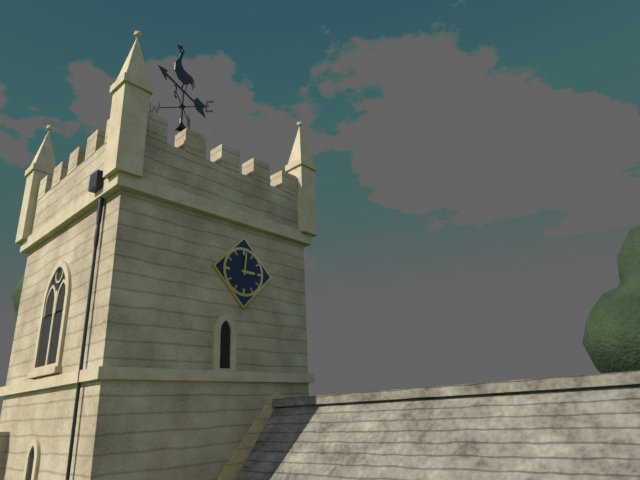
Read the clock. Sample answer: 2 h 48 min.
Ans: 3 h 01 min
